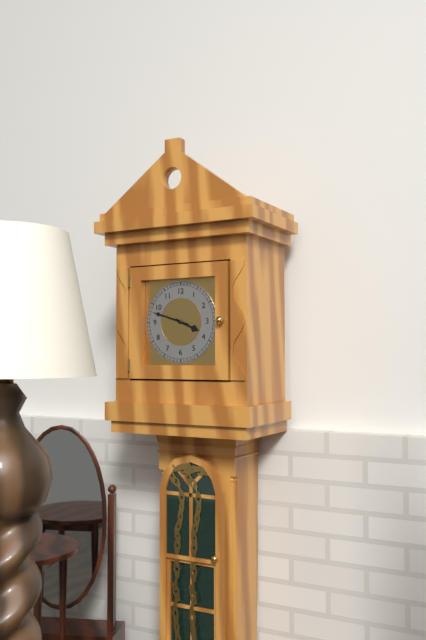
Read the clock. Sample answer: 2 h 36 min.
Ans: 3 h 48 min
